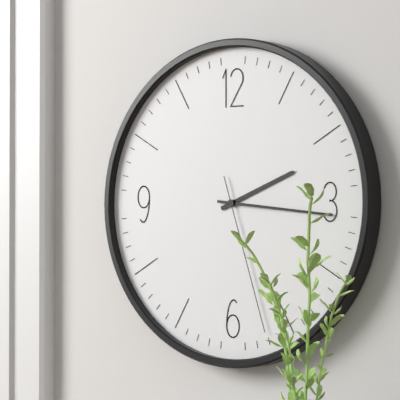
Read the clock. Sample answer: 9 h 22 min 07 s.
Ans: 2 h 16 min 27 s
